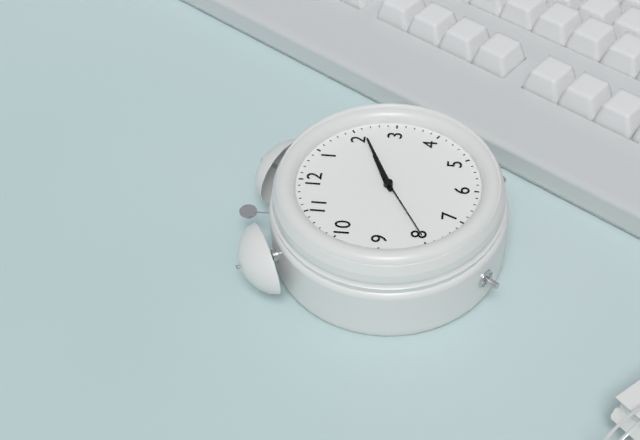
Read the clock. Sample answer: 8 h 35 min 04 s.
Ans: 2 h 11 min 40 s
